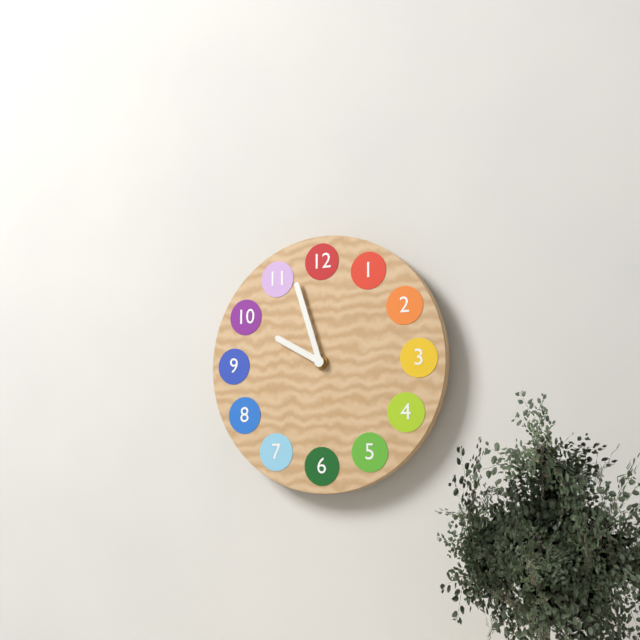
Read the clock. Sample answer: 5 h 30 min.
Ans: 9 h 57 min
